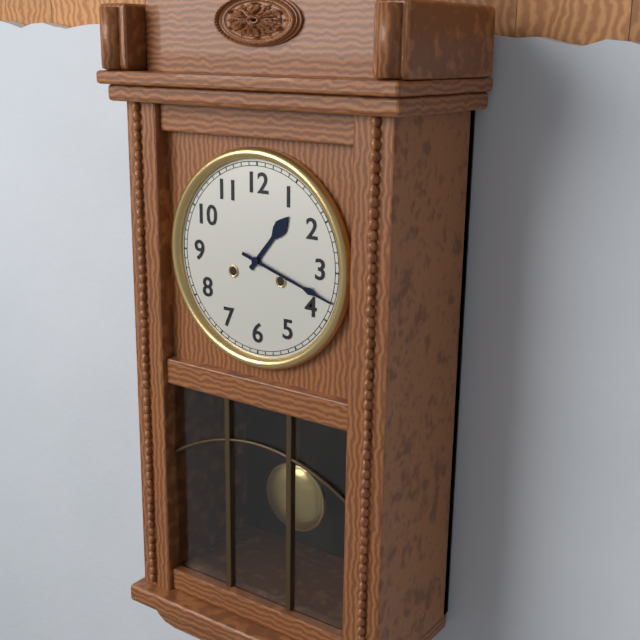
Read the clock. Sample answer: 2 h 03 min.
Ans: 1 h 18 min
